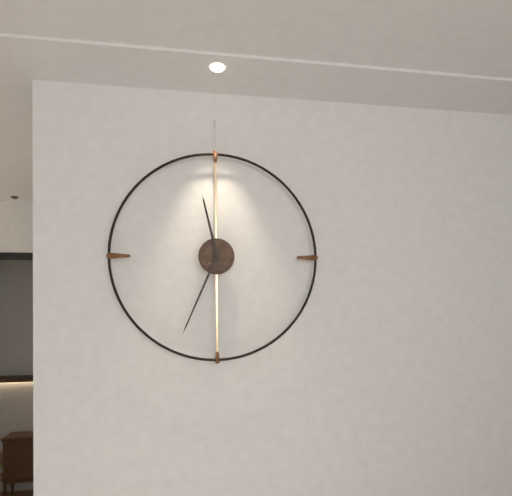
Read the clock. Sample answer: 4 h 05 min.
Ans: 11 h 34 min
